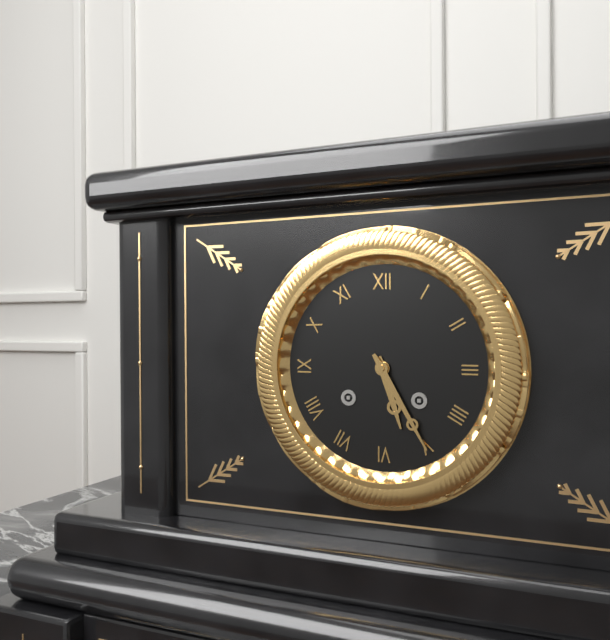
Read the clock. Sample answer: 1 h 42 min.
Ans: 5 h 25 min
